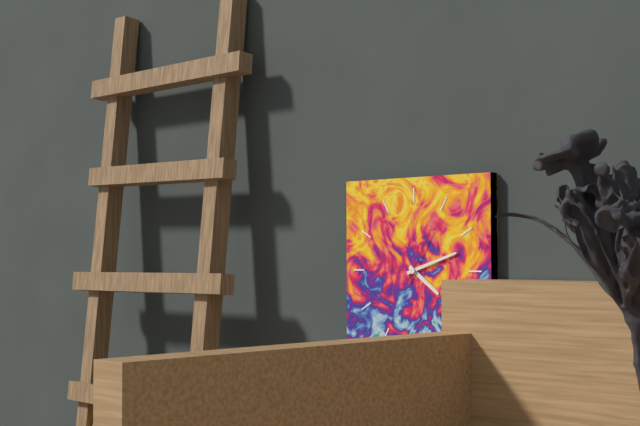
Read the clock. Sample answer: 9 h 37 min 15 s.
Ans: 4 h 12 min 05 s
